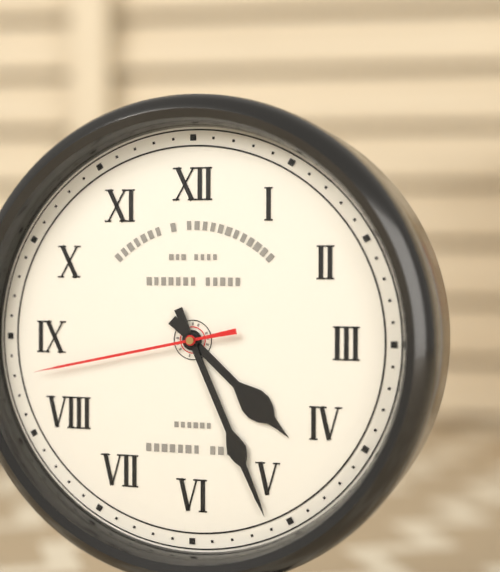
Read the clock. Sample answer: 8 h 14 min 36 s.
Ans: 4 h 26 min 43 s
